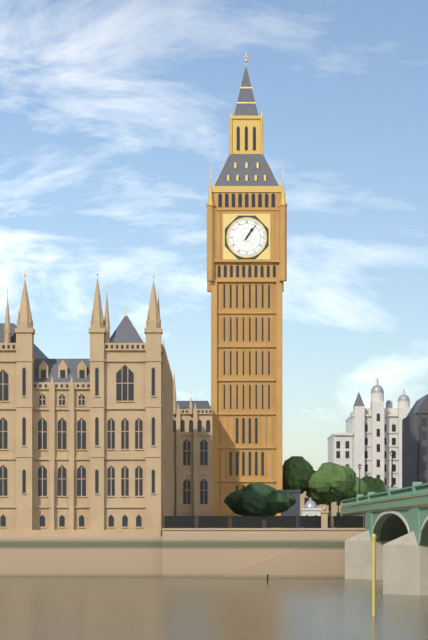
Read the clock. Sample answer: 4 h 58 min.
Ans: 1 h 06 min
